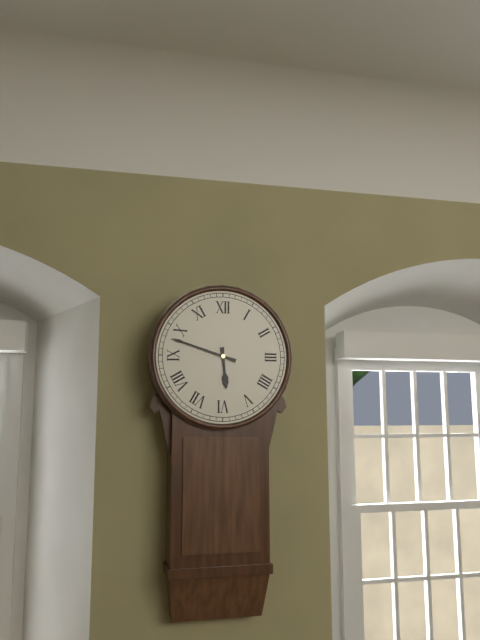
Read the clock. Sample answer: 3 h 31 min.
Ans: 5 h 48 min
